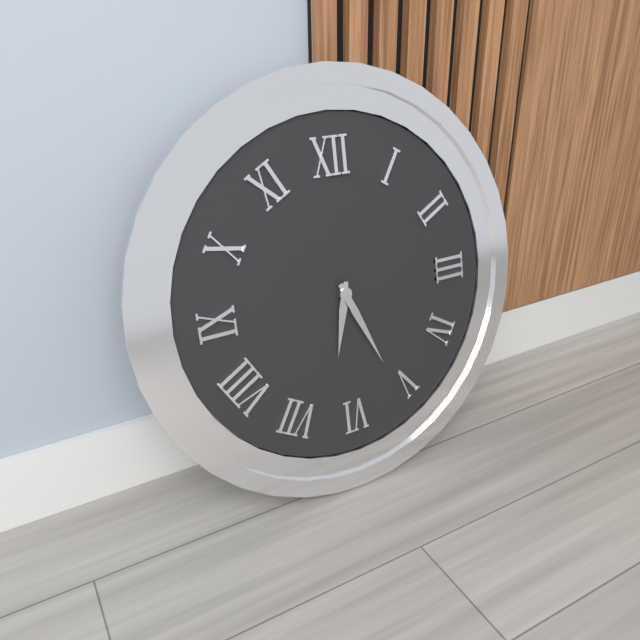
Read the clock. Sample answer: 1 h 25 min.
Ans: 6 h 26 min
